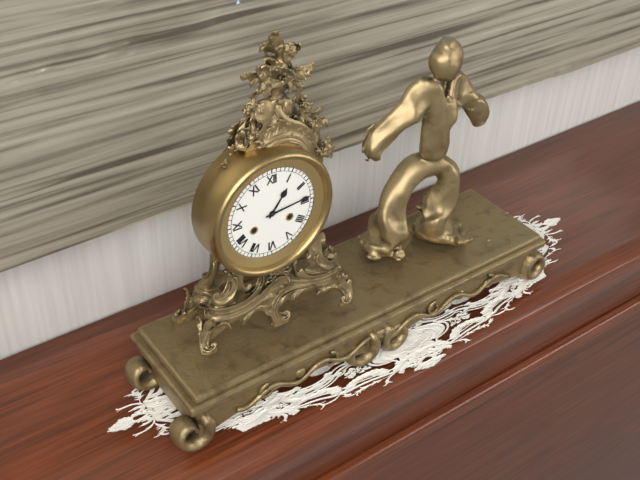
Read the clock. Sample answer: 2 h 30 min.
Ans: 1 h 14 min
